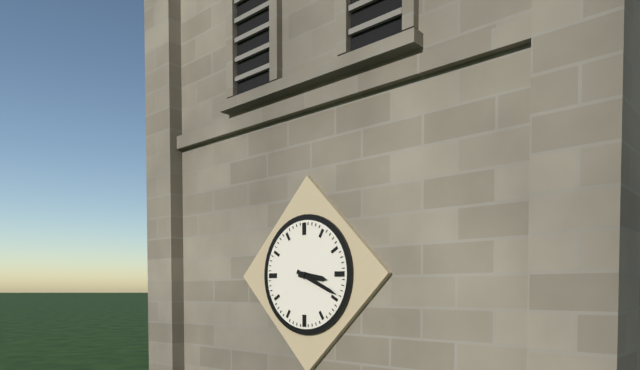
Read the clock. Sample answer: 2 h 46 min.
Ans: 3 h 19 min
